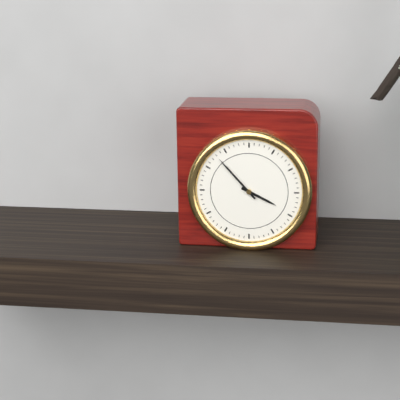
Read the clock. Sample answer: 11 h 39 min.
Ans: 3 h 53 min
